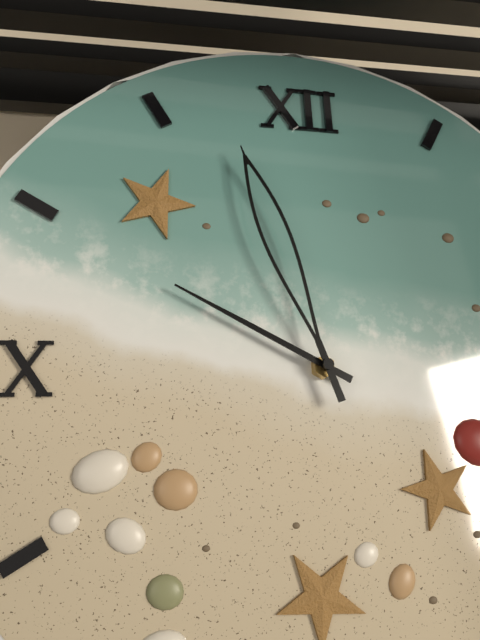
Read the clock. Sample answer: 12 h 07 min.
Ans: 9 h 57 min
